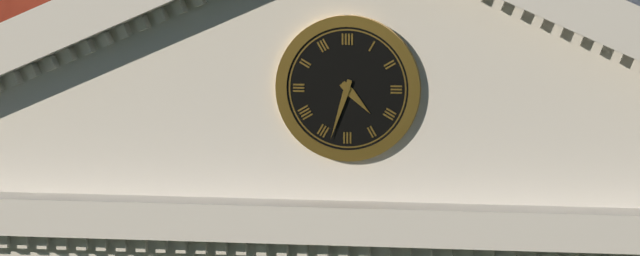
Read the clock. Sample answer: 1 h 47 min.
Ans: 4 h 33 min
